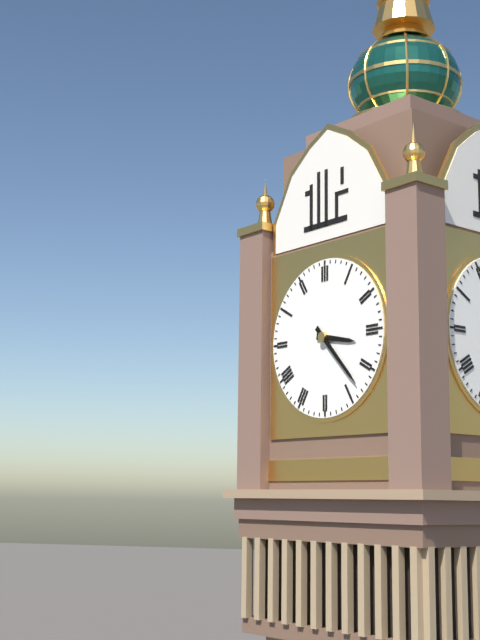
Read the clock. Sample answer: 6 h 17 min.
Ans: 3 h 23 min
